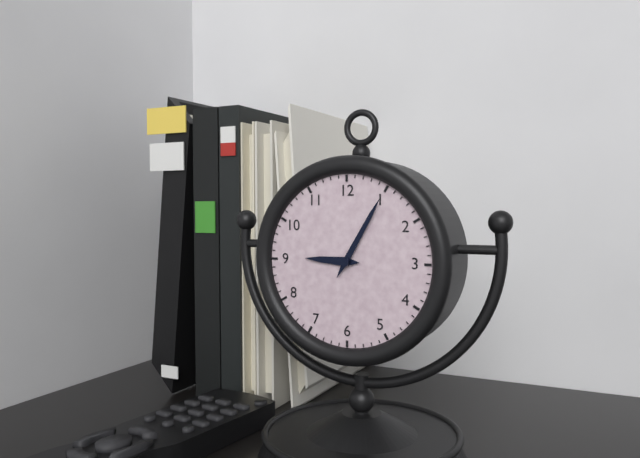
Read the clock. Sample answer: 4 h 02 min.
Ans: 9 h 05 min
